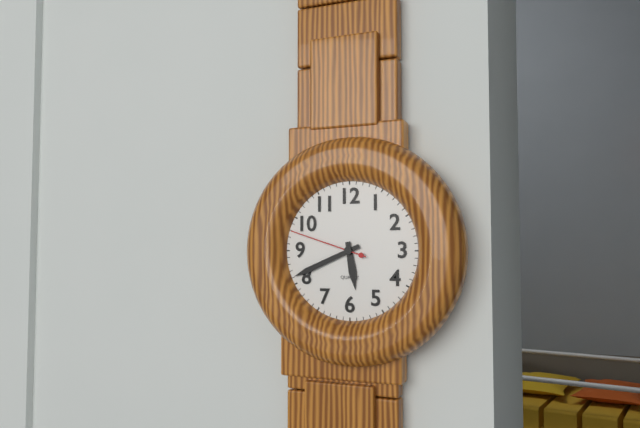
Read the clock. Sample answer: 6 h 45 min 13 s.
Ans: 5 h 41 min 48 s
